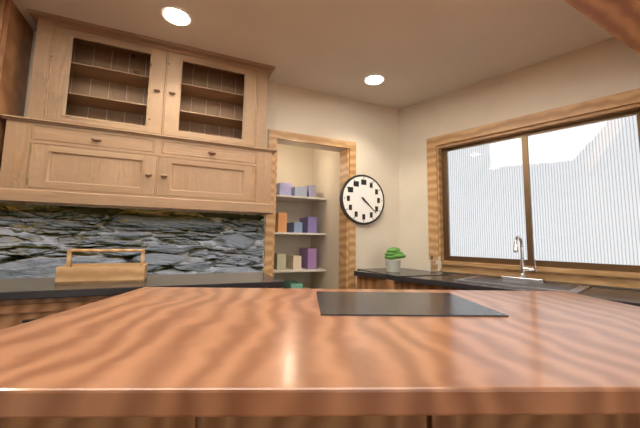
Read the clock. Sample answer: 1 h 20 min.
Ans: 4 h 22 min
